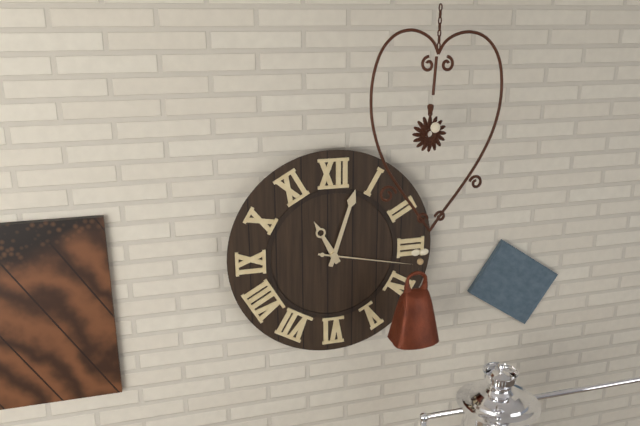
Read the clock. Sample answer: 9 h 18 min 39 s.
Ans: 11 h 03 min 17 s
